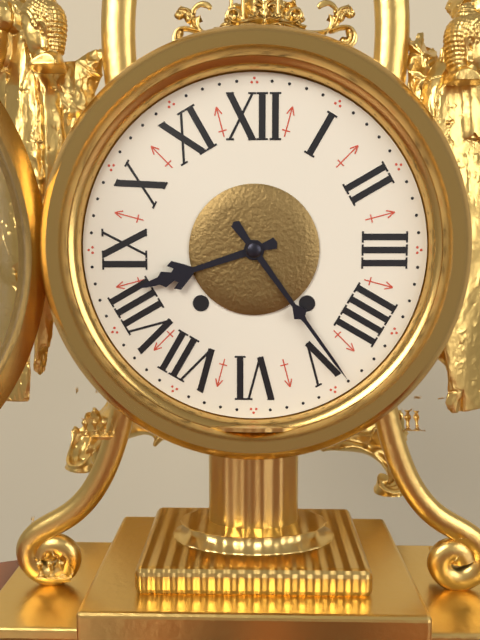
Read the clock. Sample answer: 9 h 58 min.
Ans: 8 h 24 min
